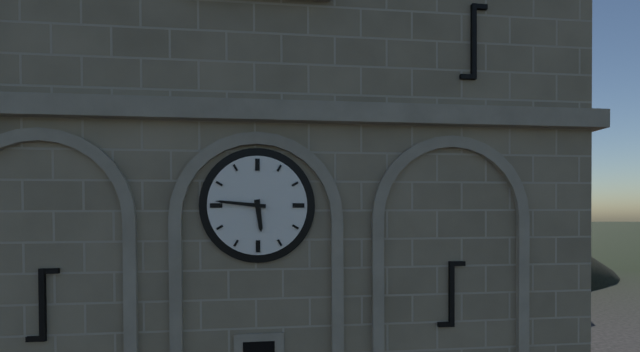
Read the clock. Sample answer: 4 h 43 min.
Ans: 5 h 46 min
